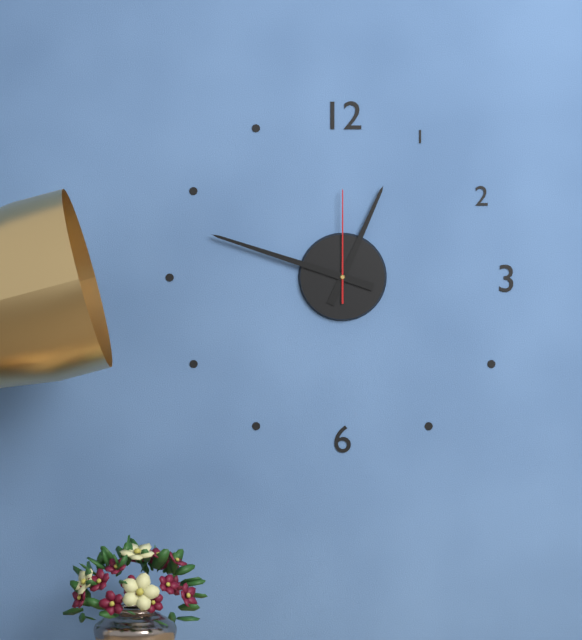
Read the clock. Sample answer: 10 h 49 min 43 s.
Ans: 12 h 48 min 00 s
